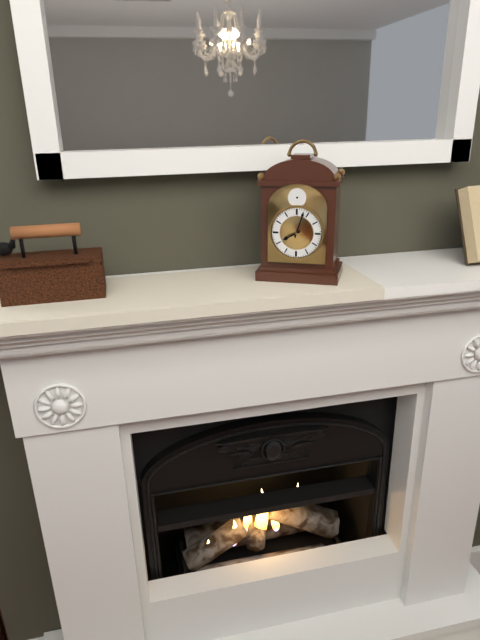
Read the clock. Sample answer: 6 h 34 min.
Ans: 8 h 03 min
